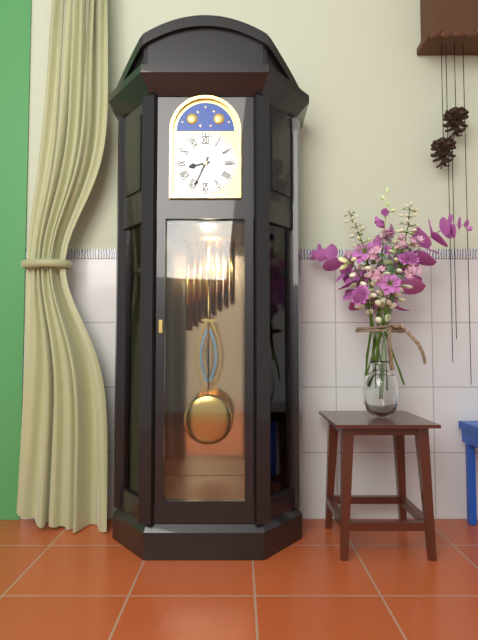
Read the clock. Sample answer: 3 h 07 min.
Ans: 8 h 34 min
